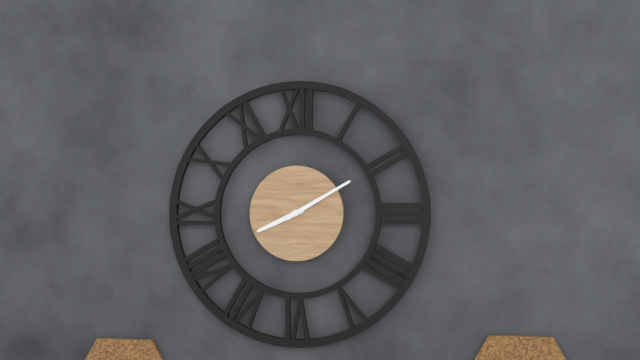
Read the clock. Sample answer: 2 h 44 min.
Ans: 8 h 10 min
